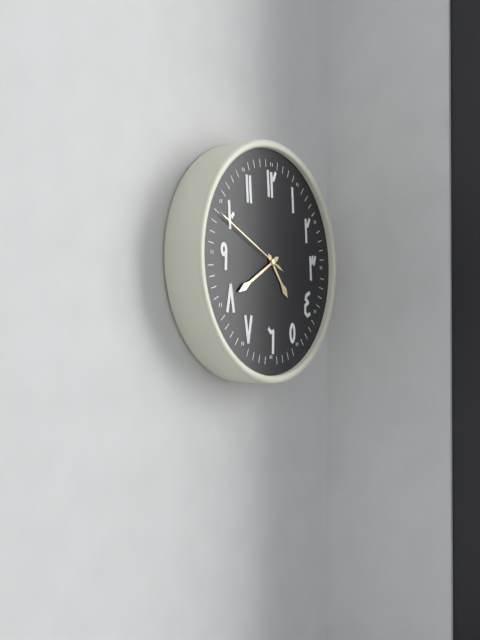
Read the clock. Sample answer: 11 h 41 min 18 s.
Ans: 4 h 40 min 49 s
